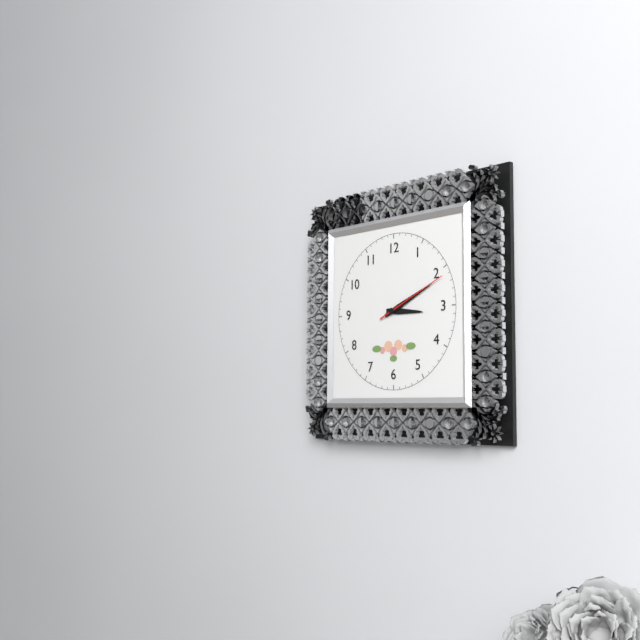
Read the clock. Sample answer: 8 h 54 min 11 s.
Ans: 3 h 11 min 11 s
